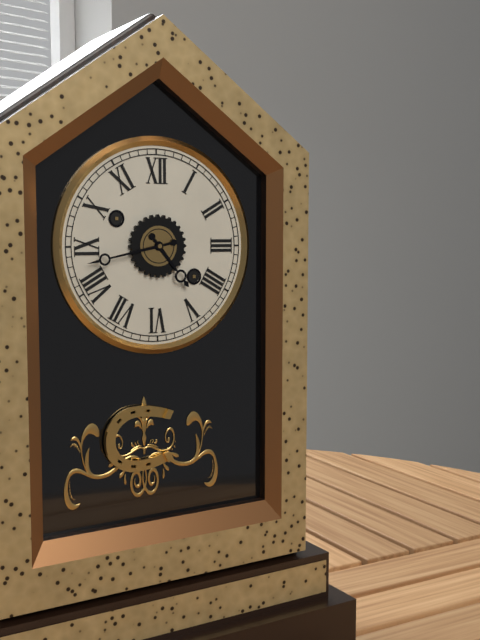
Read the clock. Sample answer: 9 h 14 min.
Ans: 4 h 43 min
